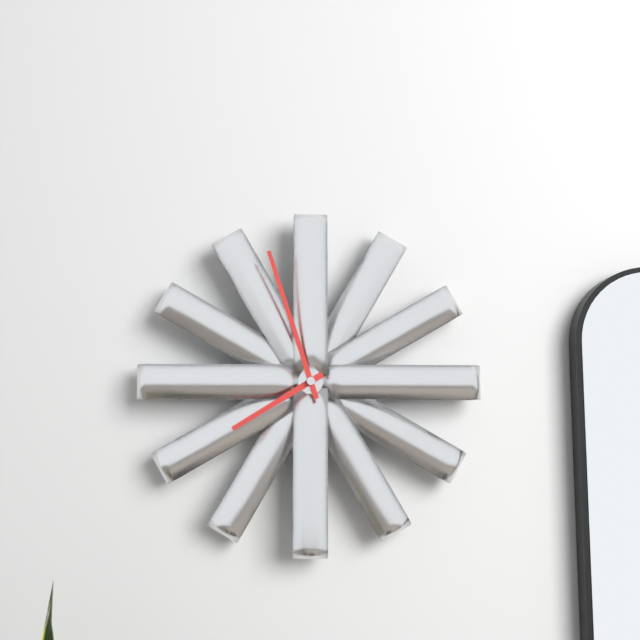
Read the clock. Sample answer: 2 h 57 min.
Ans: 7 h 57 min
